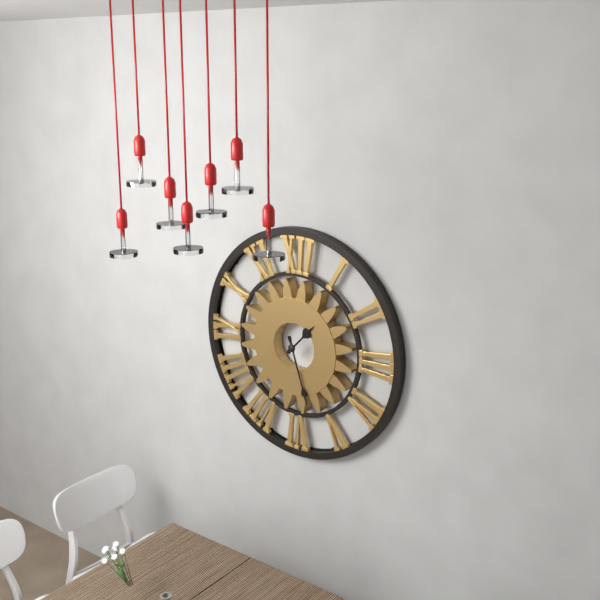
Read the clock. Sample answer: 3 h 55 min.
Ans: 1 h 27 min
